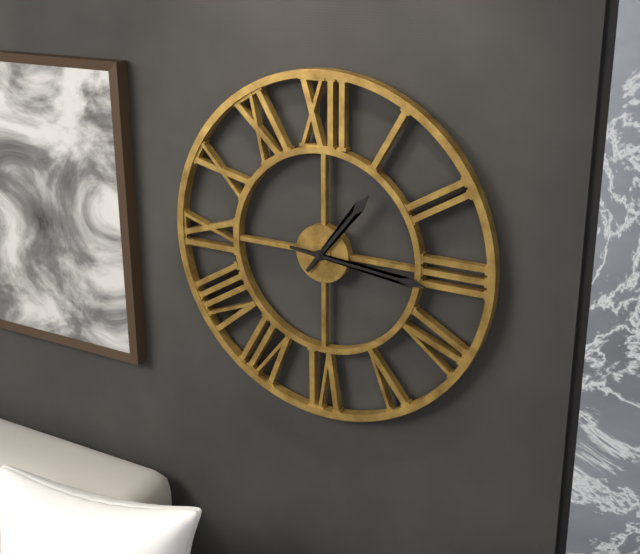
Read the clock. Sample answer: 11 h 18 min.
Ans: 1 h 16 min
